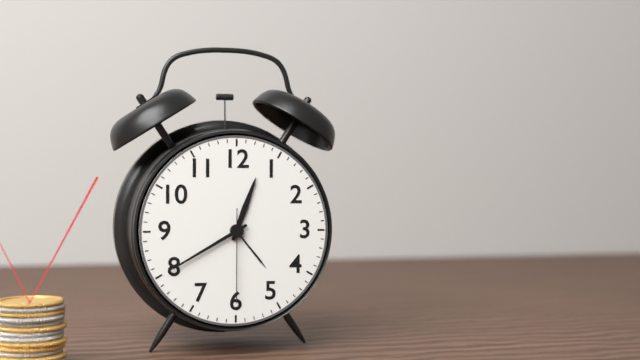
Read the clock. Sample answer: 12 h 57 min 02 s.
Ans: 12 h 40 min 30 s
